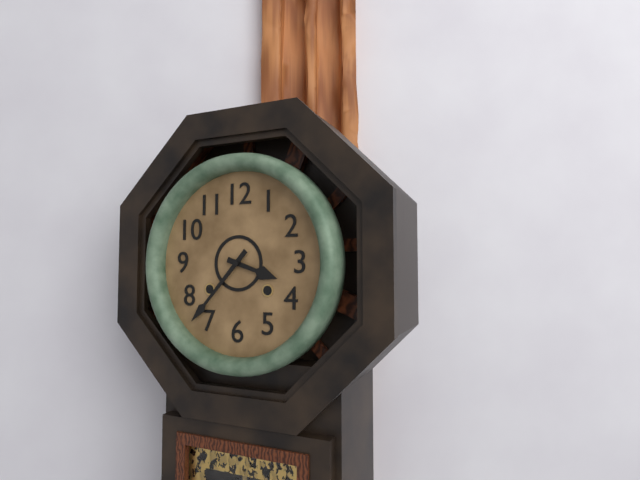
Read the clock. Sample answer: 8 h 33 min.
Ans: 3 h 37 min
